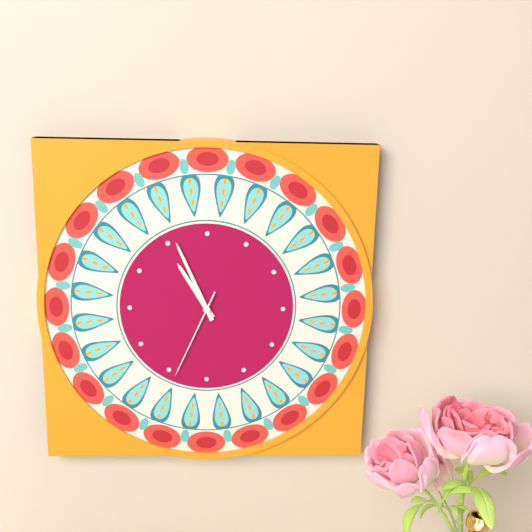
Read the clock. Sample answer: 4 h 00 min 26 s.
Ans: 10 h 56 min 34 s
